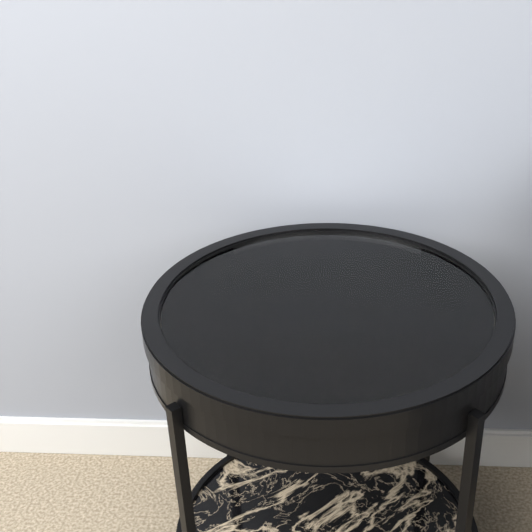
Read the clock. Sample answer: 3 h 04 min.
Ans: 6 h 40 min
